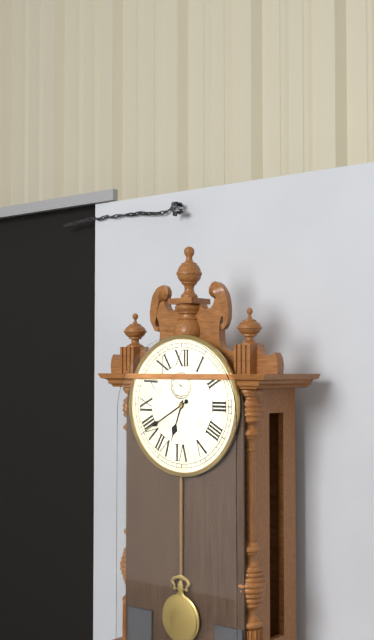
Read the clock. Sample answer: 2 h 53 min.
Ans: 6 h 40 min
